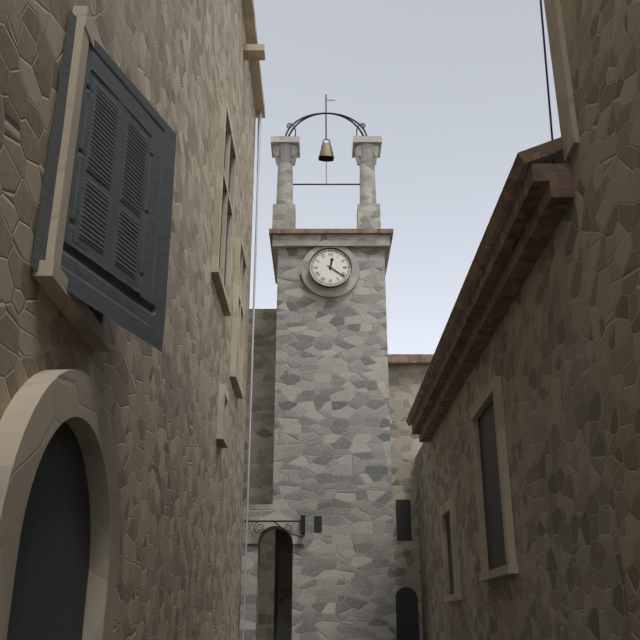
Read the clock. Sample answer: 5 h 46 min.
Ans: 12 h 21 min
